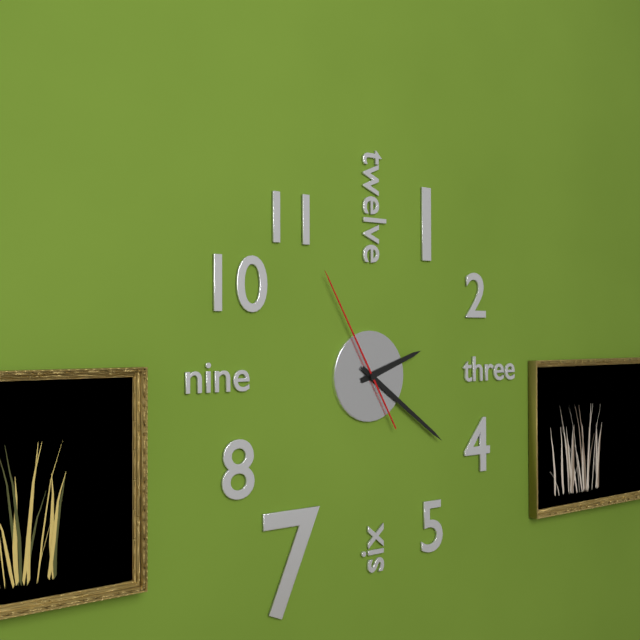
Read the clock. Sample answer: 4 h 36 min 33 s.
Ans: 2 h 21 min 55 s
